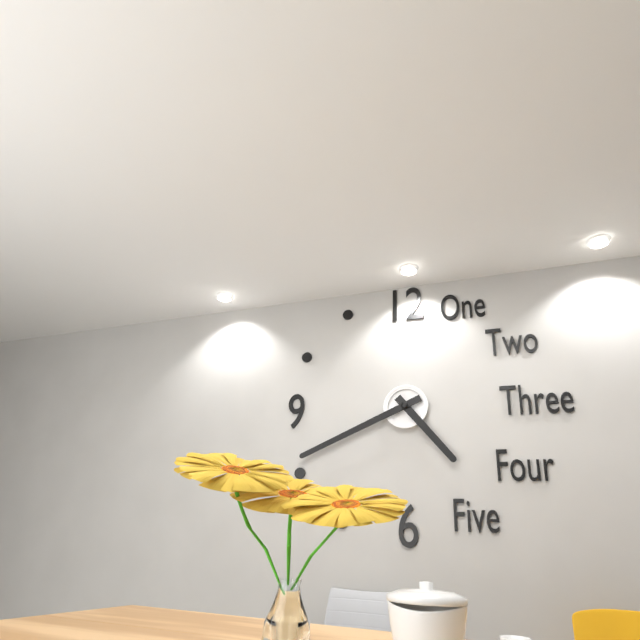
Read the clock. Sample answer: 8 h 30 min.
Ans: 4 h 41 min
